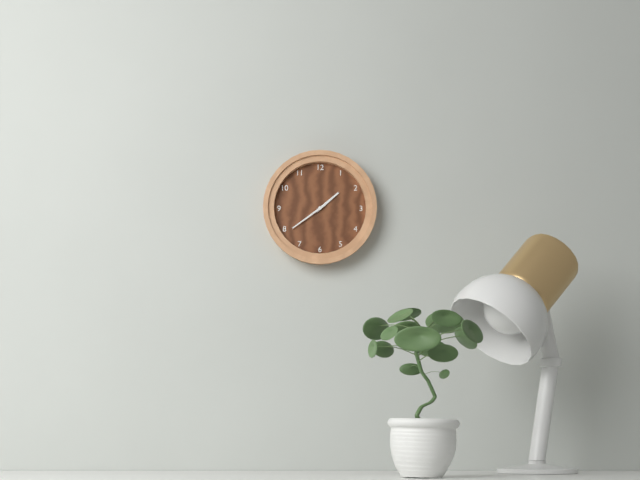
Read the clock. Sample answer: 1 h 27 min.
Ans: 1 h 39 min
